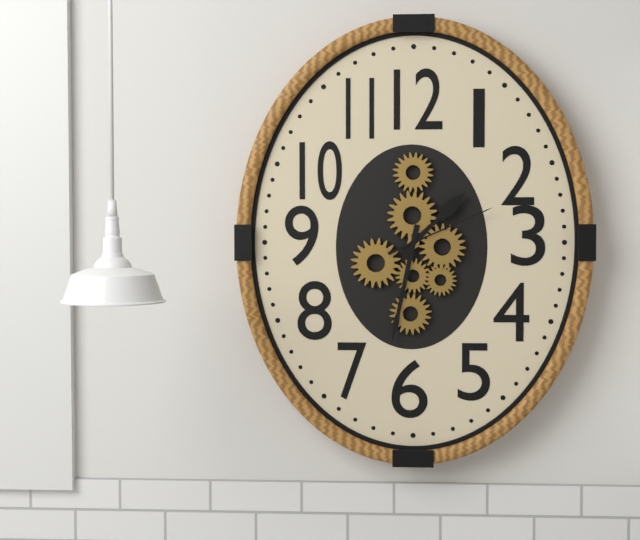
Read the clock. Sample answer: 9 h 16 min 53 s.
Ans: 1 h 32 min 11 s
